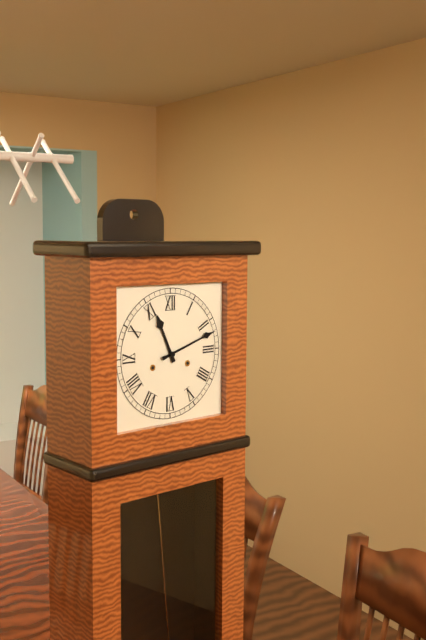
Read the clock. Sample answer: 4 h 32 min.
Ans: 11 h 12 min
